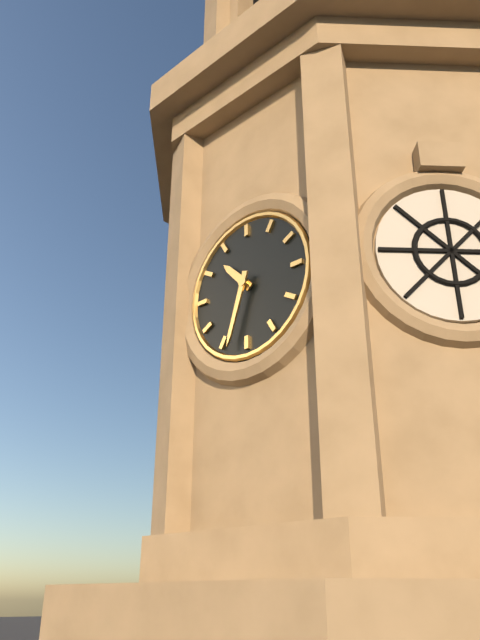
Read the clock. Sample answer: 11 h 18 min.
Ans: 10 h 33 min
